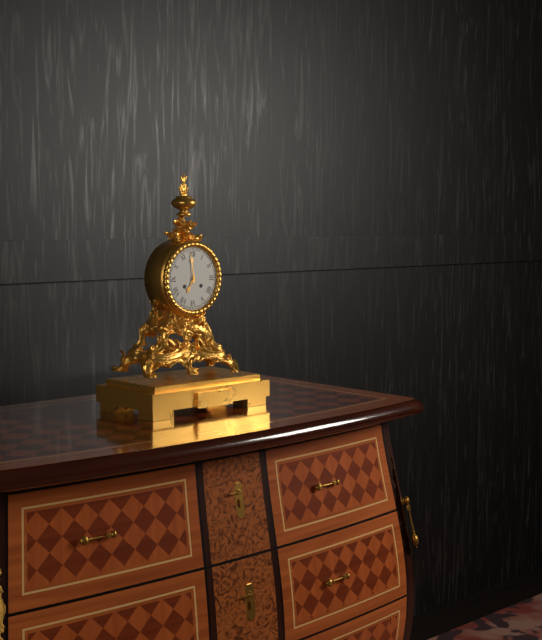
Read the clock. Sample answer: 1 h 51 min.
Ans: 6 h 59 min
